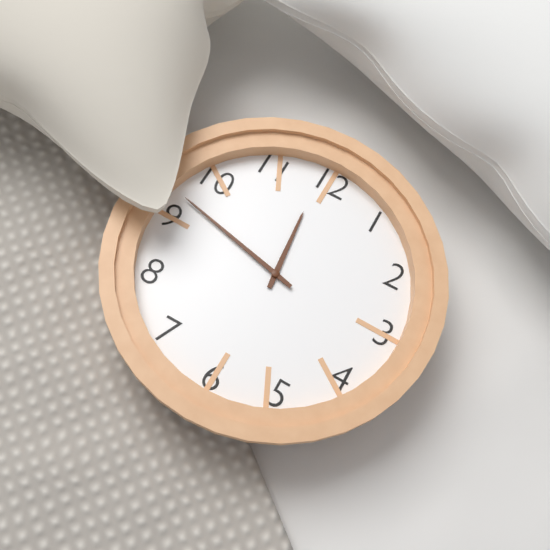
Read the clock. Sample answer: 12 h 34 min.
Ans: 11 h 47 min
